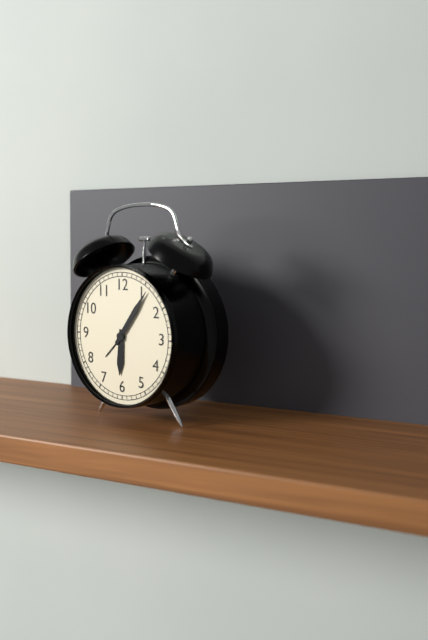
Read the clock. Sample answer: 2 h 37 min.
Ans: 6 h 06 min
